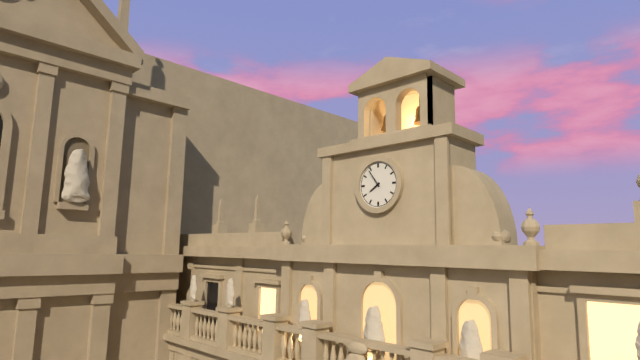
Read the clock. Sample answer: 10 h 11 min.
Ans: 7 h 54 min
